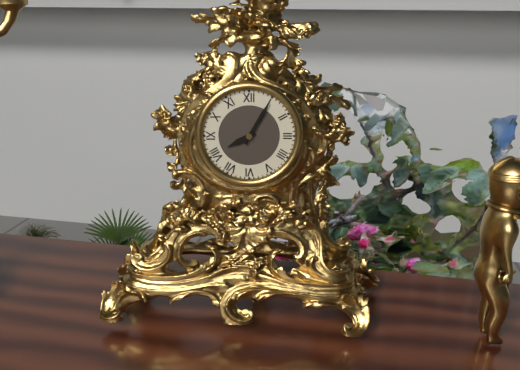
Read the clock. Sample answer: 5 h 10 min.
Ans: 8 h 05 min
